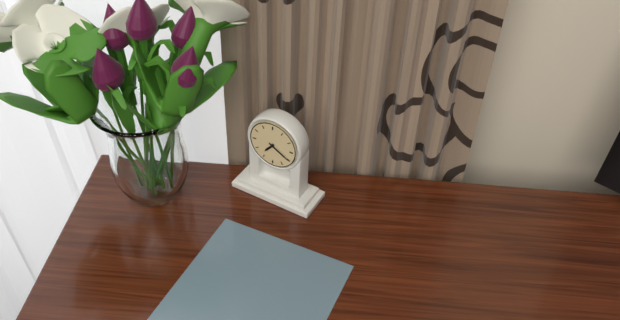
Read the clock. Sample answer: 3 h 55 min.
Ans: 7 h 20 min
